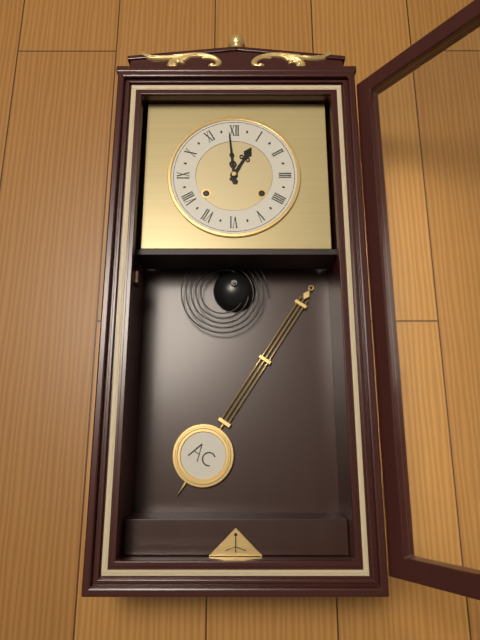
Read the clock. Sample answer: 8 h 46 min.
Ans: 12 h 59 min
